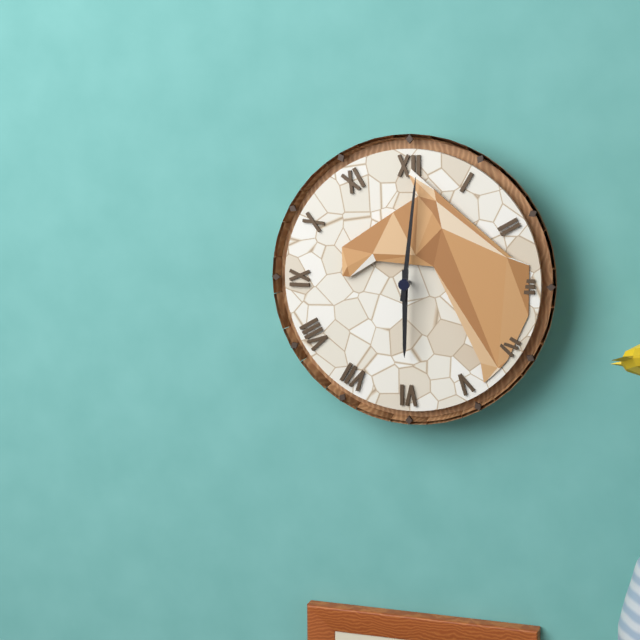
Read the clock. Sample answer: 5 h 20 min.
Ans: 6 h 01 min
